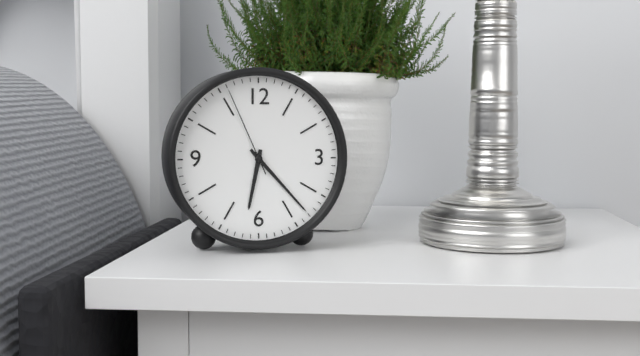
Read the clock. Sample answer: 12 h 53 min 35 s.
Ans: 6 h 23 min 56 s
